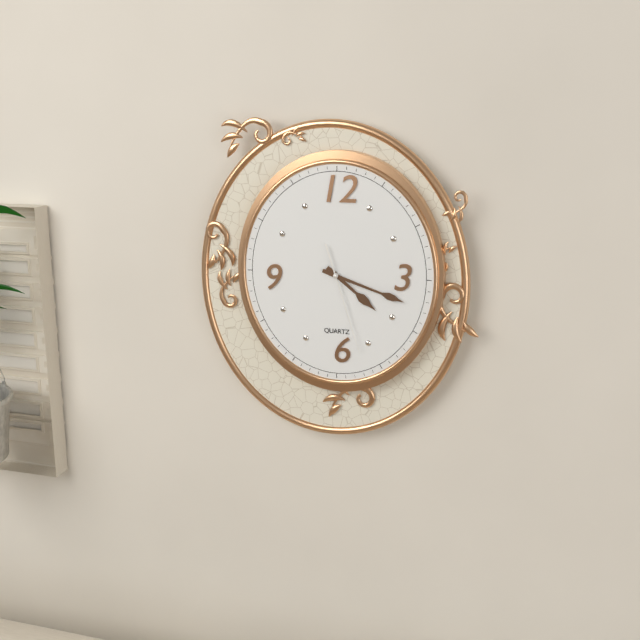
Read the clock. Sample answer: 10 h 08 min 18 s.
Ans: 4 h 18 min 27 s
